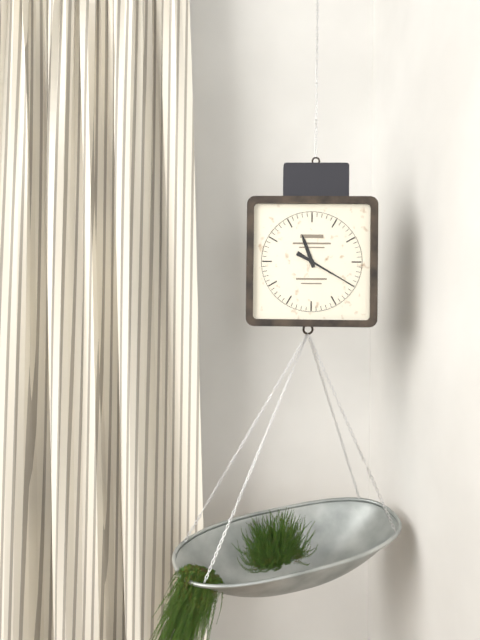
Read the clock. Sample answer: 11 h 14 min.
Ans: 11 h 20 min
